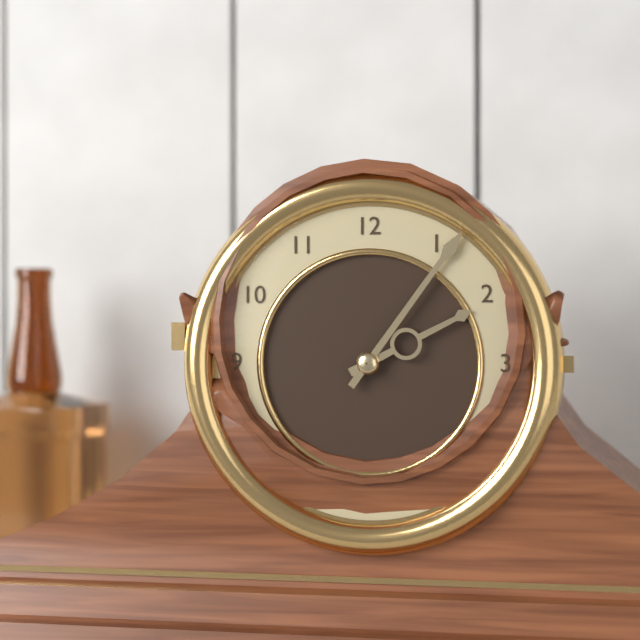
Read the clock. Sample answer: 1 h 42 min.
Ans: 2 h 06 min
